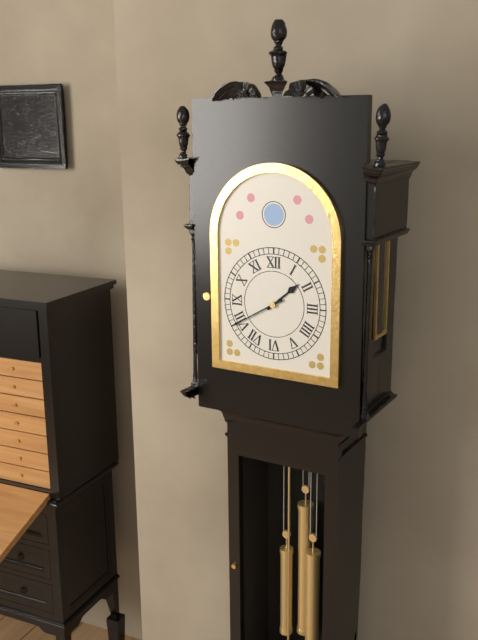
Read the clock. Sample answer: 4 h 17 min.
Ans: 1 h 40 min
